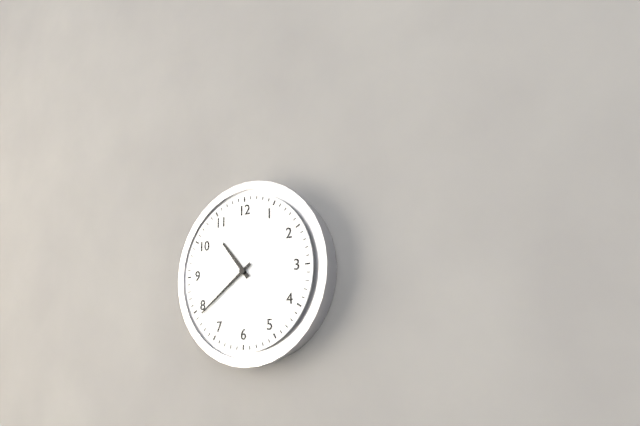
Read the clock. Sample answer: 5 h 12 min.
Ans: 10 h 39 min
